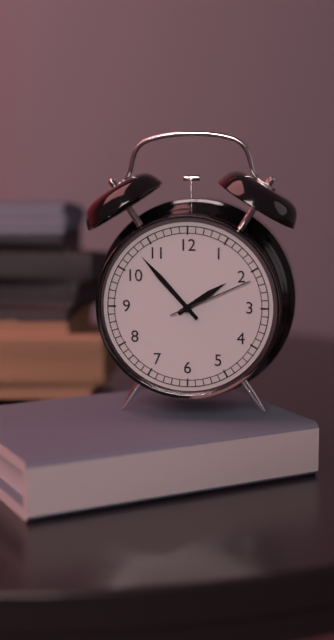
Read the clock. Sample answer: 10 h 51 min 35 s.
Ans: 1 h 53 min 11 s
